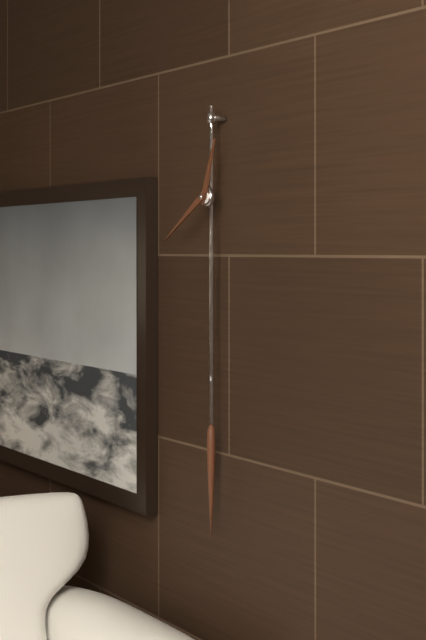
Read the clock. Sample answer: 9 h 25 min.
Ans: 12 h 40 min
